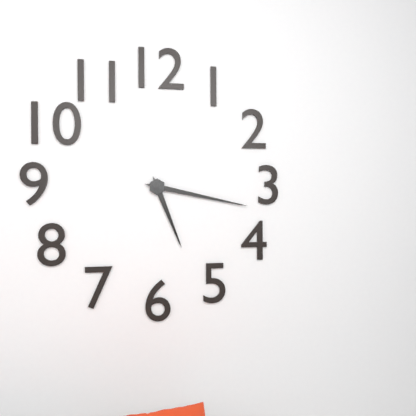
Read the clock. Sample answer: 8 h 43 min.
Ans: 5 h 17 min
